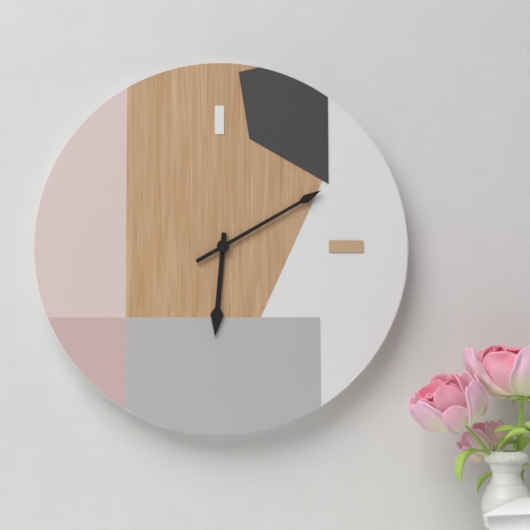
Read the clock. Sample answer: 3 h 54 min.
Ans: 6 h 10 min
